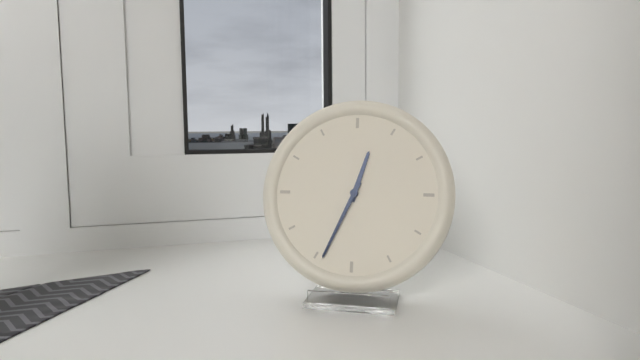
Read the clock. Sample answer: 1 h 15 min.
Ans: 12 h 34 min
